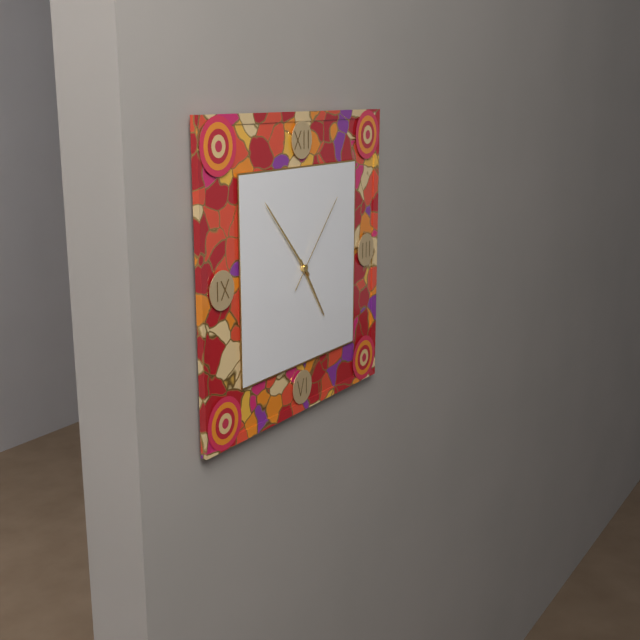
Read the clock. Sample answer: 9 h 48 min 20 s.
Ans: 4 h 53 min 07 s
